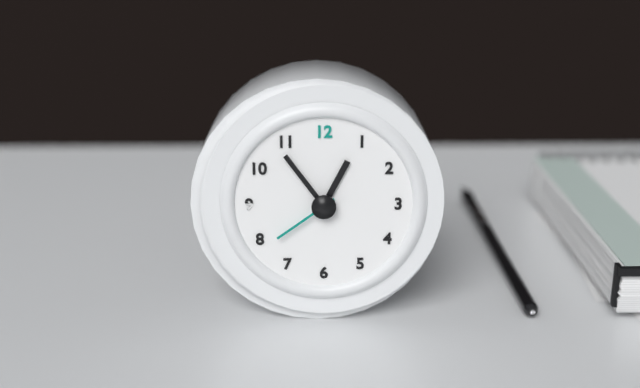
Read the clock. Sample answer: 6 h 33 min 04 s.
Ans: 12 h 54 min 39 s
